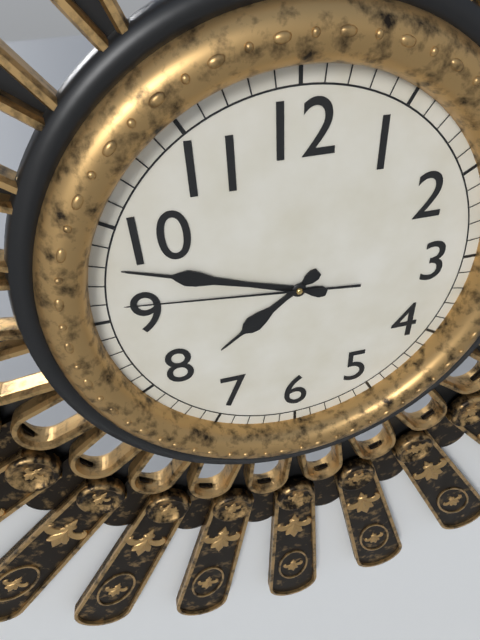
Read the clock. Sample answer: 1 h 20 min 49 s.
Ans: 7 h 48 min 46 s
